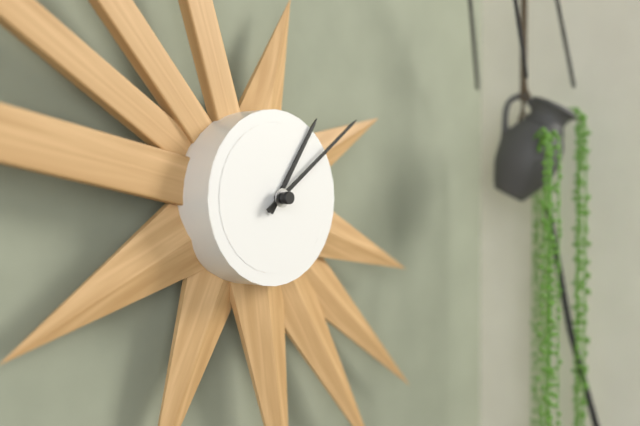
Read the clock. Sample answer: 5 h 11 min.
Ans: 1 h 09 min
